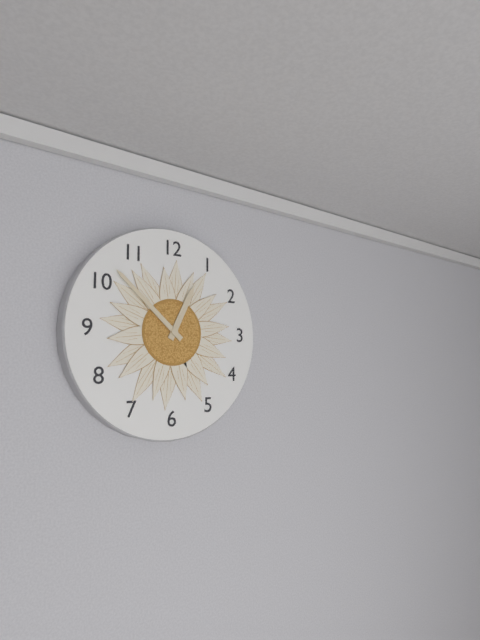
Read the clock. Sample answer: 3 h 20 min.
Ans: 12 h 52 min
